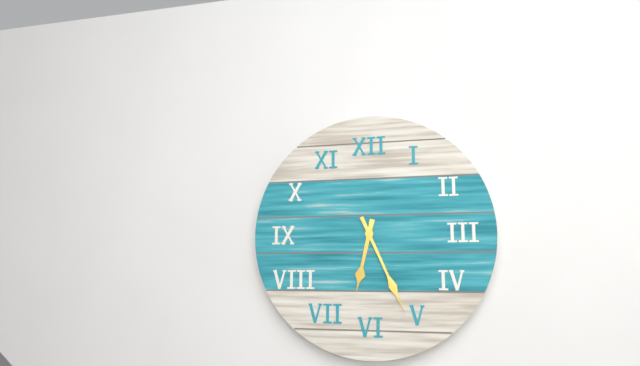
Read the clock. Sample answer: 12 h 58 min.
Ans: 6 h 26 min
